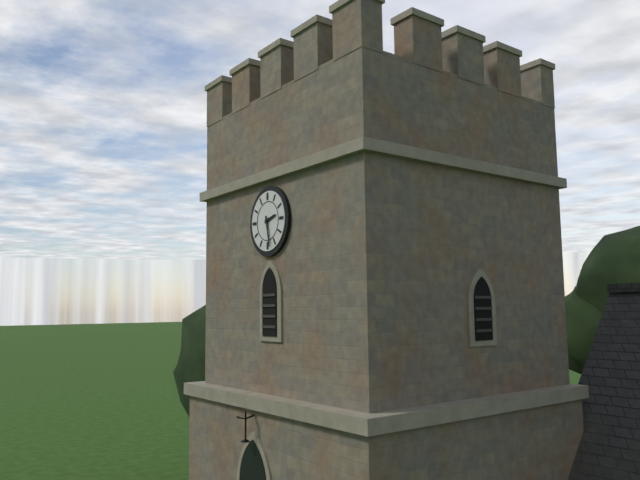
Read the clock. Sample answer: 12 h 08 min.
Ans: 2 h 28 min
